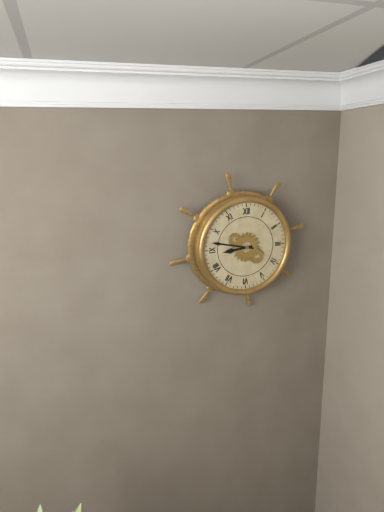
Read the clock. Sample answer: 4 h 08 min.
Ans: 8 h 47 min
